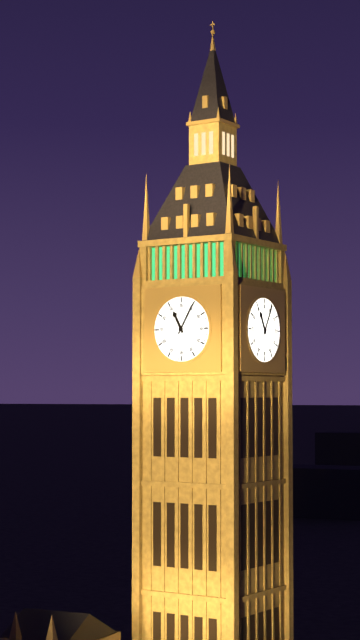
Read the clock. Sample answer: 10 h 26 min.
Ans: 11 h 05 min
